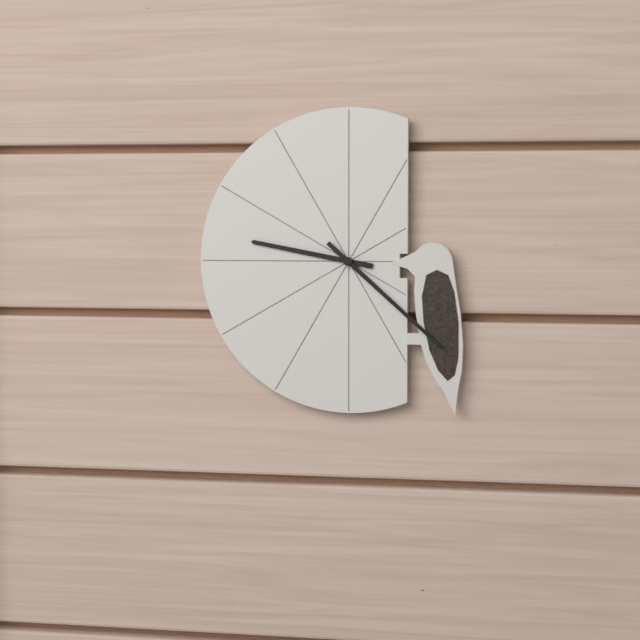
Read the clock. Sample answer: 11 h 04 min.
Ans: 9 h 22 min
